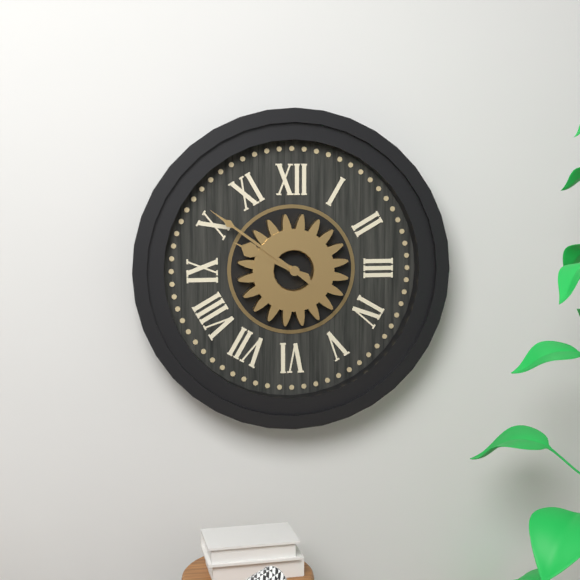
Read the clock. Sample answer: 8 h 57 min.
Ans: 9 h 51 min
